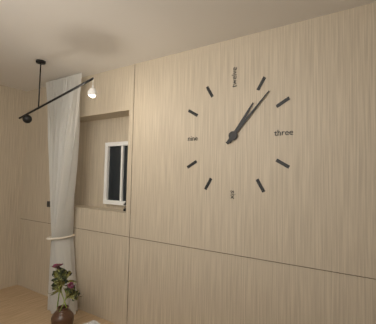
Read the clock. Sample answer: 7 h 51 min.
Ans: 1 h 07 min
